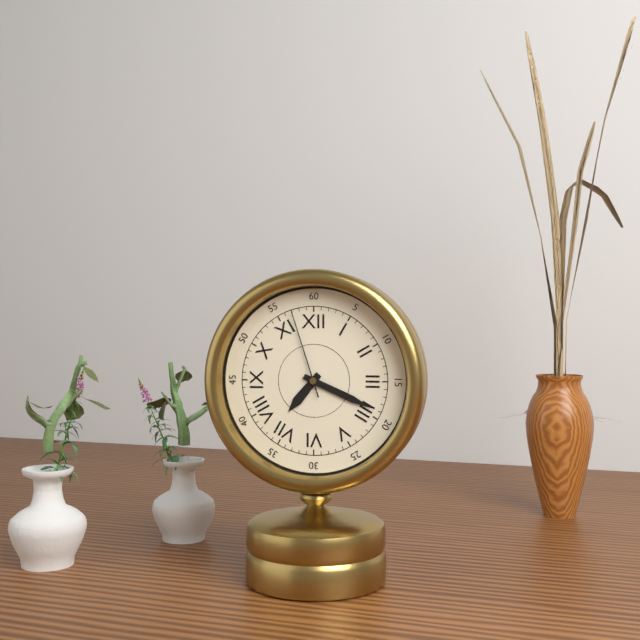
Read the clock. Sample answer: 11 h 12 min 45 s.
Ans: 7 h 19 min 57 s
